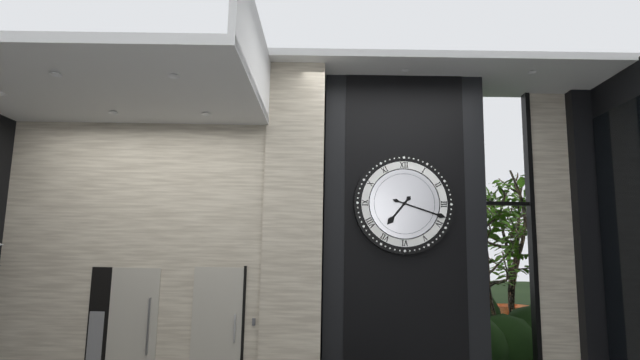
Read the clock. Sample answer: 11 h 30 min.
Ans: 7 h 18 min
